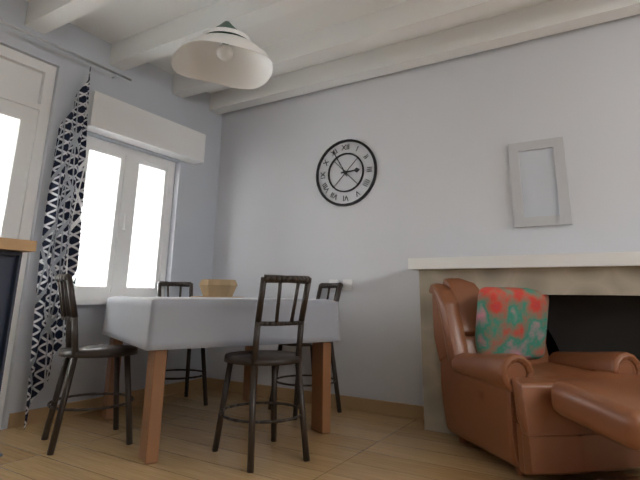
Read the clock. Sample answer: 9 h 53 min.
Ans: 2 h 55 min
